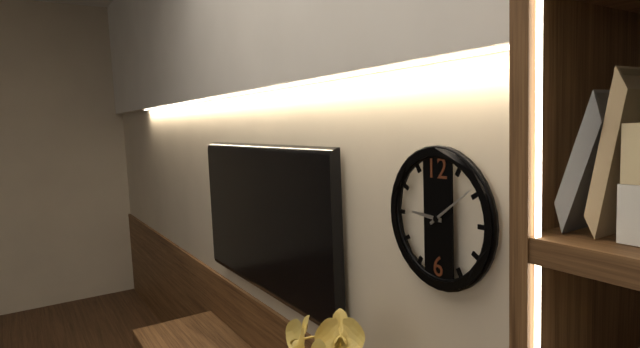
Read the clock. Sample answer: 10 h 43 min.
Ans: 9 h 09 min
